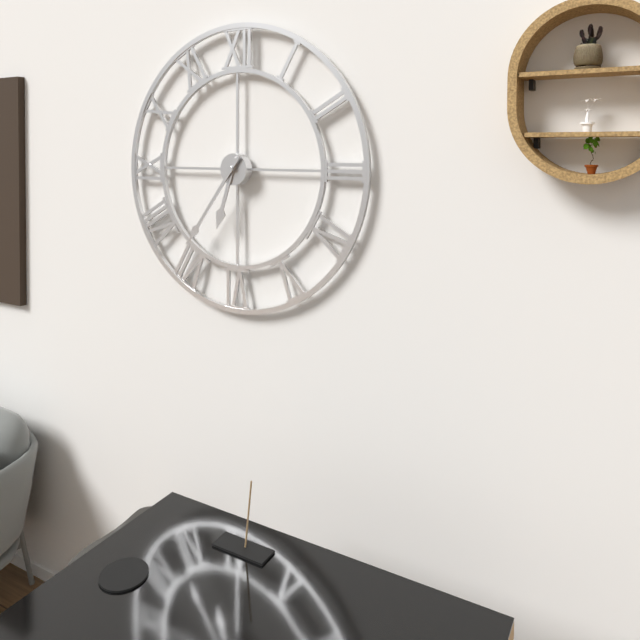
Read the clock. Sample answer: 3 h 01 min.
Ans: 6 h 36 min
